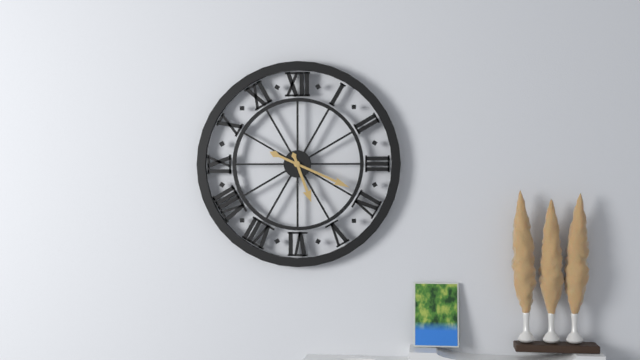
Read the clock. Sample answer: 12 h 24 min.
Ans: 5 h 19 min
